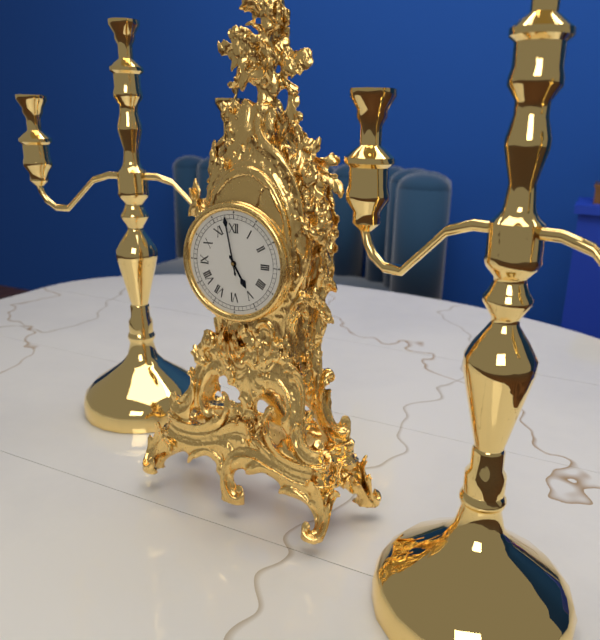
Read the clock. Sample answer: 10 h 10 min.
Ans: 4 h 58 min
